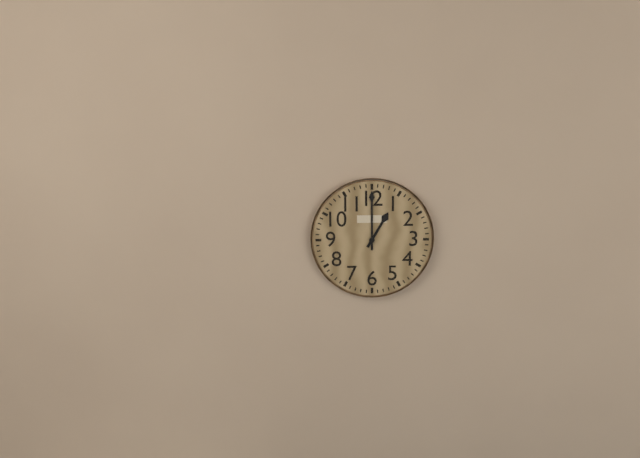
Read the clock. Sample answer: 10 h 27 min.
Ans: 1 h 00 min
